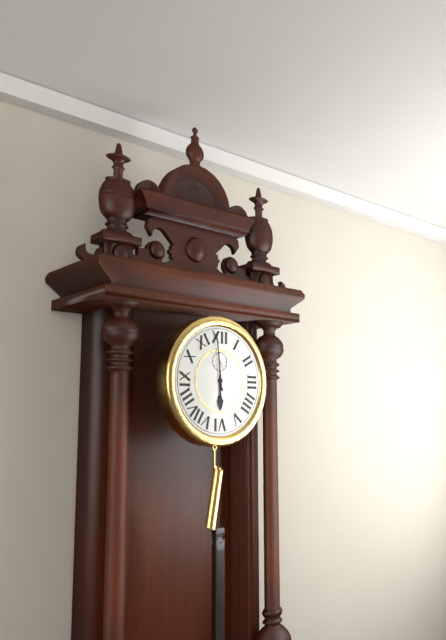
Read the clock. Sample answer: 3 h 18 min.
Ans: 5 h 59 min
